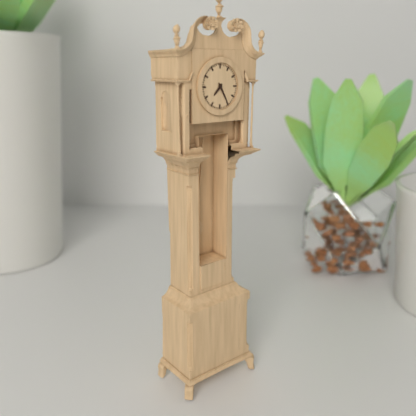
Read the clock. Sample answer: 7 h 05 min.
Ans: 7 h 25 min
